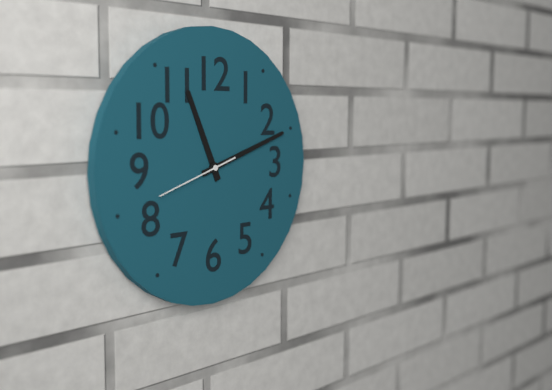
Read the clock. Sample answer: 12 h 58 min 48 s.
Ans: 11 h 12 min 42 s
